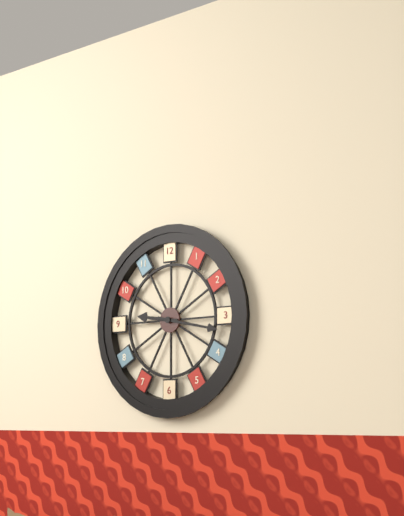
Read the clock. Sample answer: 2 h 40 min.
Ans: 9 h 17 min
